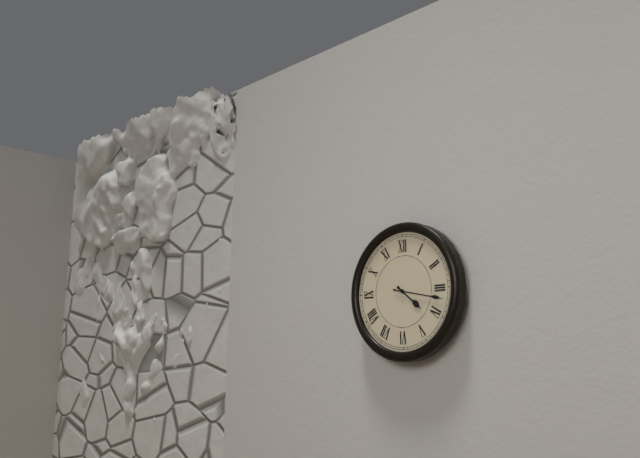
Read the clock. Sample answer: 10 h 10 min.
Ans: 4 h 17 min
